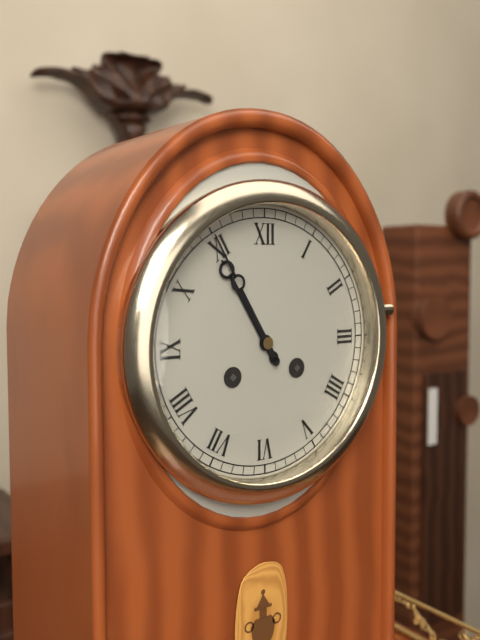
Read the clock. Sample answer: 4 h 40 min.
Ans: 10 h 55 min
